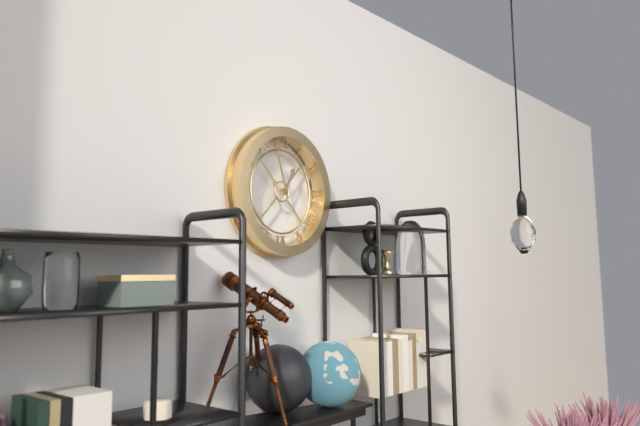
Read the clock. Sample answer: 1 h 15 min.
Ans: 12 h 57 min
